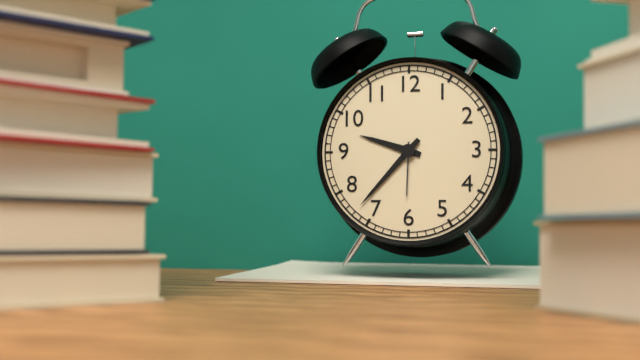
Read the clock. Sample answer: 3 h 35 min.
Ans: 9 h 37 min
